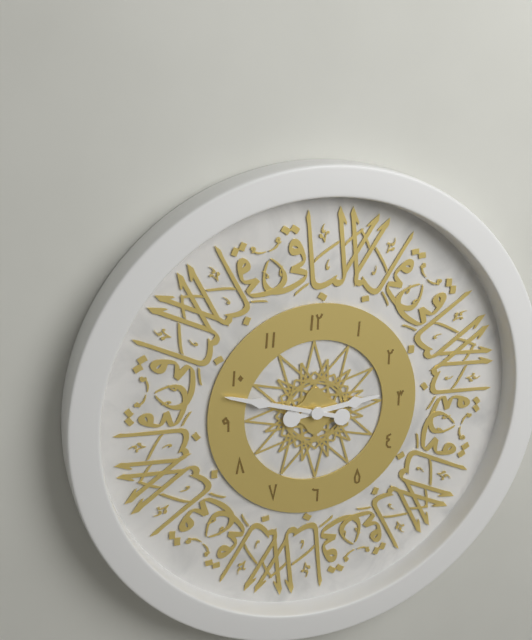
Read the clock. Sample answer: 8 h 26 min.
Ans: 2 h 48 min
